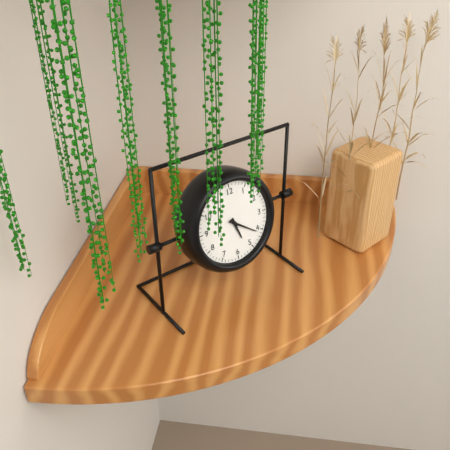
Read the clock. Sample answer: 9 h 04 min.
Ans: 5 h 21 min
